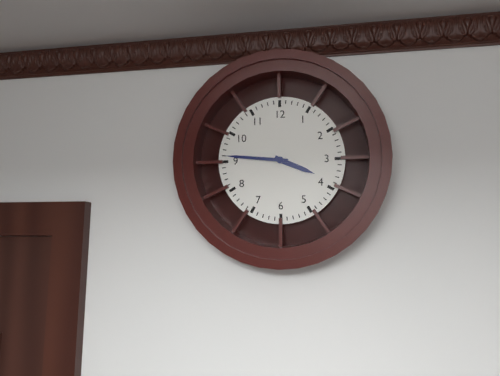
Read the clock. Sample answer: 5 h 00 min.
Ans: 3 h 46 min
